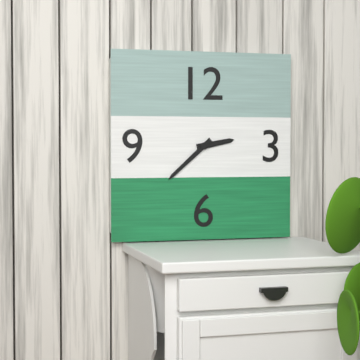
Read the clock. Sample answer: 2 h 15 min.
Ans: 2 h 38 min
